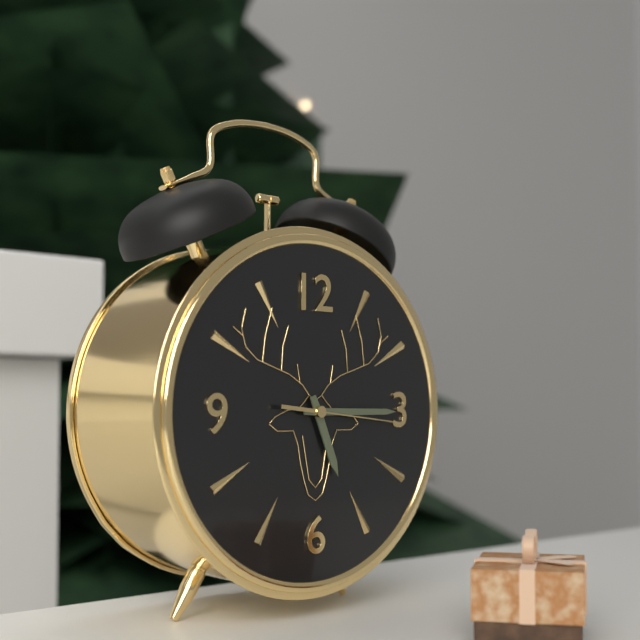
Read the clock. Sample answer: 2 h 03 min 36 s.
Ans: 5 h 15 min 16 s
